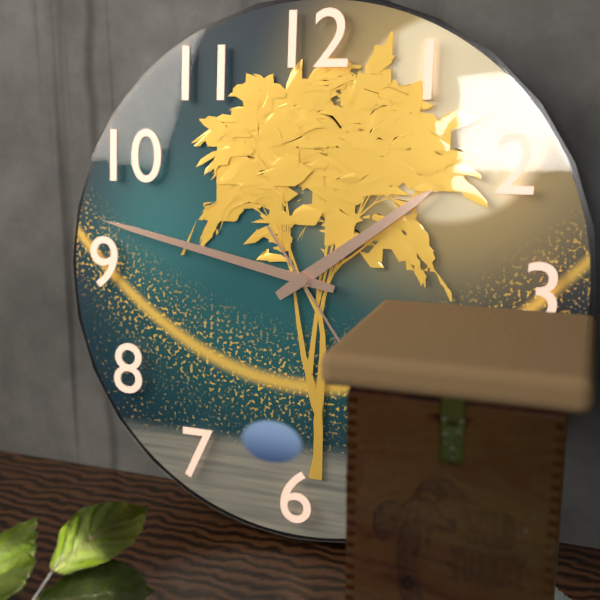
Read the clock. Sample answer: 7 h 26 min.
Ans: 1 h 47 min
